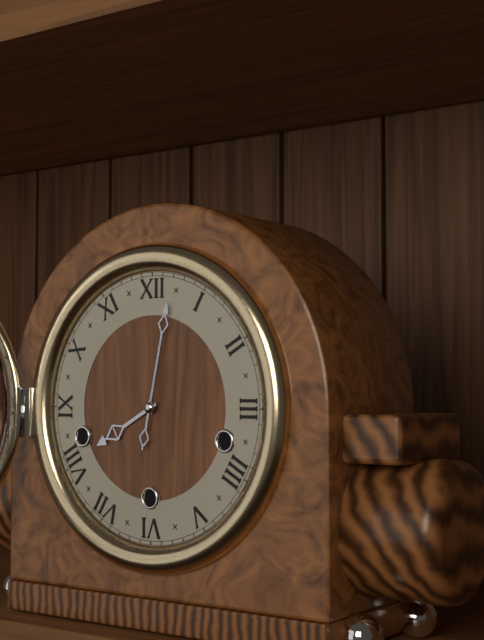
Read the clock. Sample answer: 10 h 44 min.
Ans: 8 h 02 min
